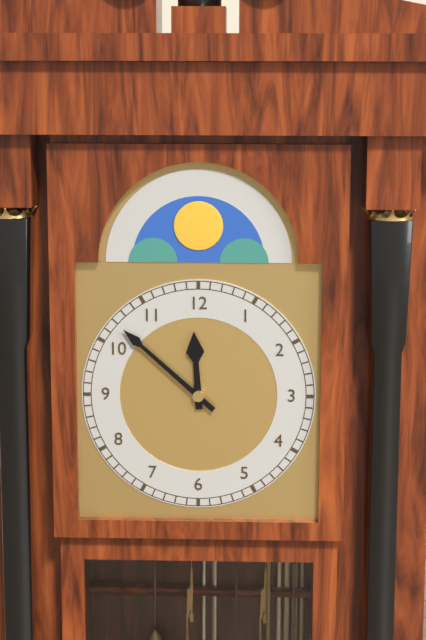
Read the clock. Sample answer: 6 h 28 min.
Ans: 11 h 52 min
